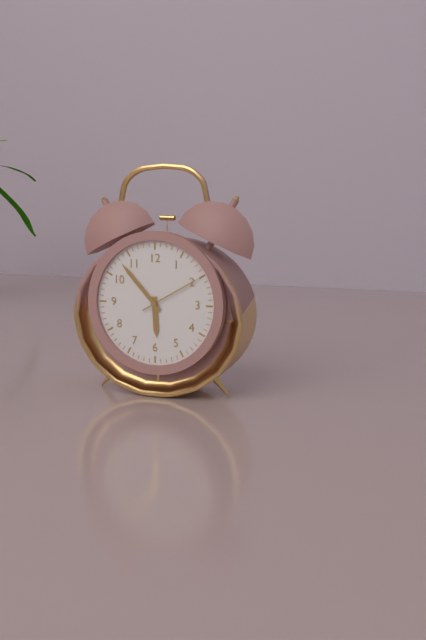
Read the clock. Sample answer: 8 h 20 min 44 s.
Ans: 5 h 53 min 10 s
